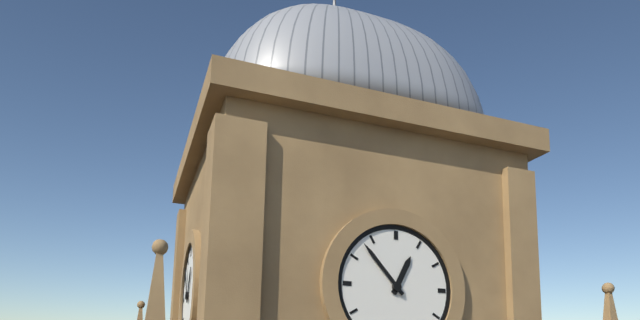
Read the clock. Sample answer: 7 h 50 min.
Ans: 12 h 53 min
